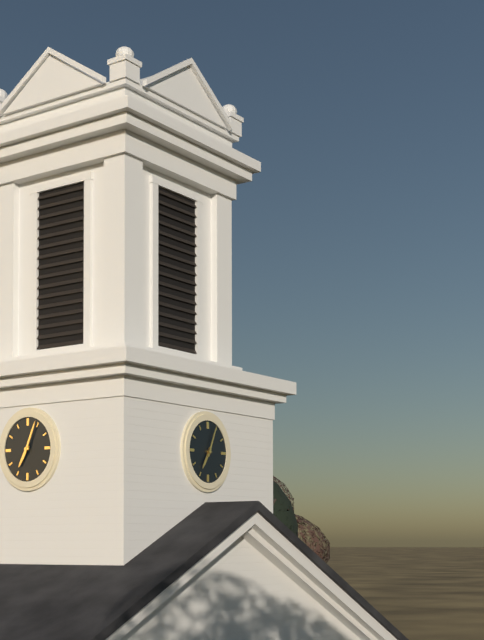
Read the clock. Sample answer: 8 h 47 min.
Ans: 7 h 04 min
